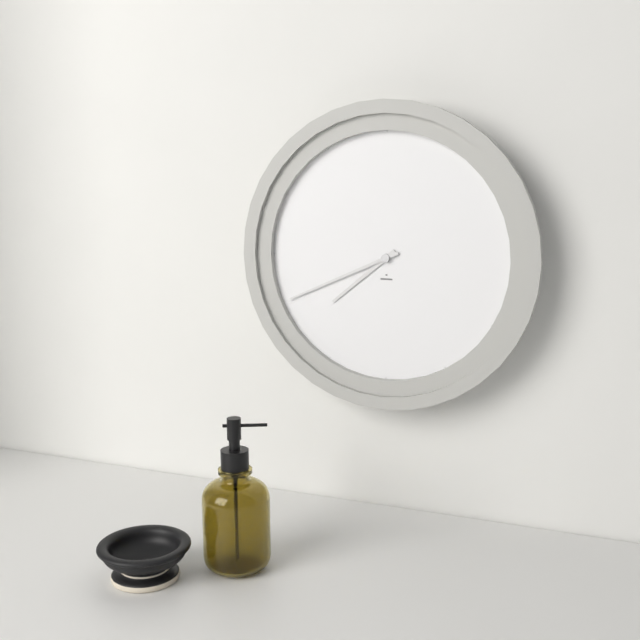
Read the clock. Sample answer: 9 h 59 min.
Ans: 7 h 41 min
